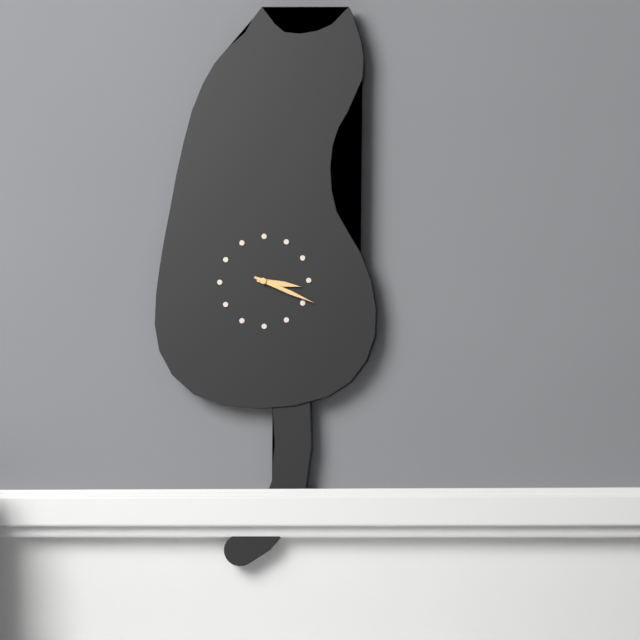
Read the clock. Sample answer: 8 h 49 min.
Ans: 3 h 19 min
